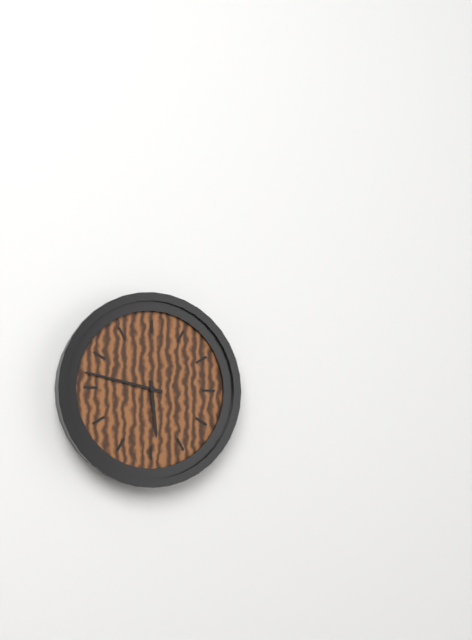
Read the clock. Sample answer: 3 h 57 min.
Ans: 5 h 47 min
